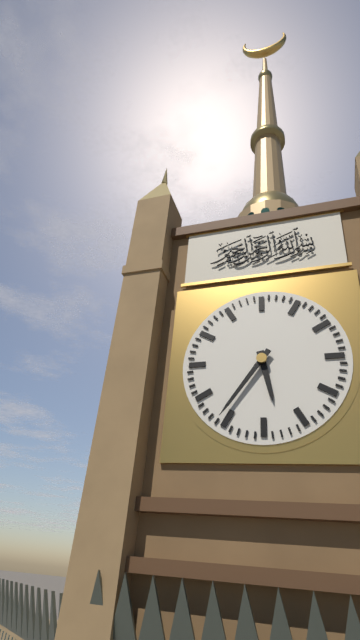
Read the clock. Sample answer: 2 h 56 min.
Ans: 5 h 36 min
